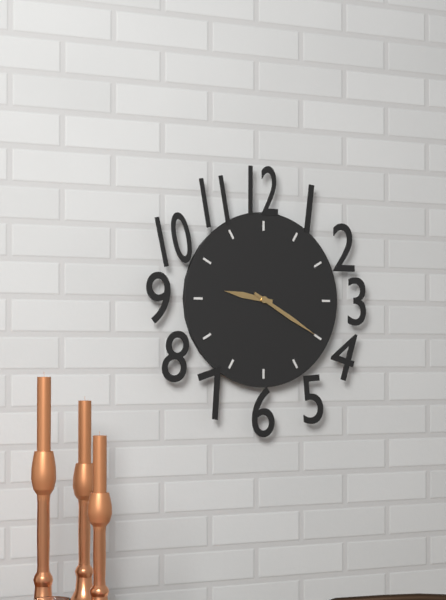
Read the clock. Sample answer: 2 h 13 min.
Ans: 9 h 20 min
